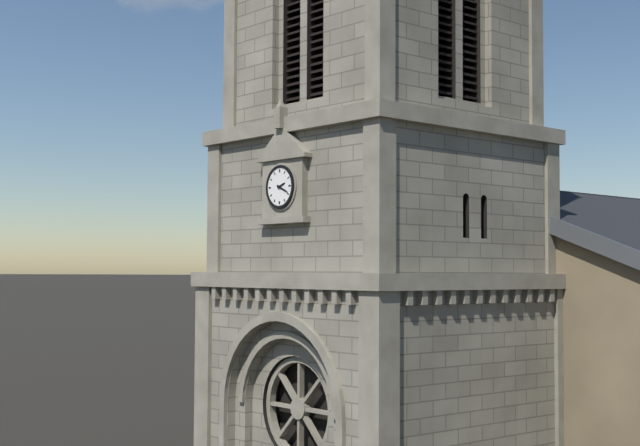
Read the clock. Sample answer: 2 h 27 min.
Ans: 2 h 19 min
